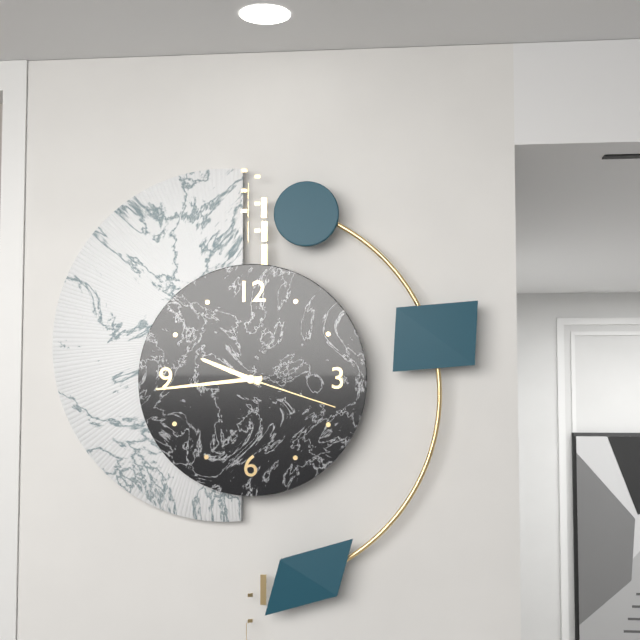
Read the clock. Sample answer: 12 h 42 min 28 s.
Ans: 9 h 44 min 18 s
